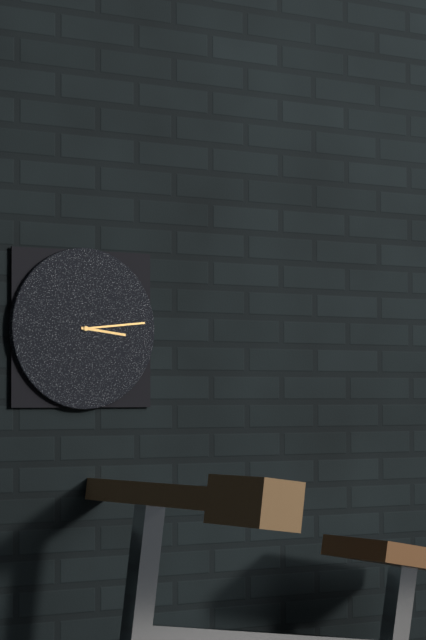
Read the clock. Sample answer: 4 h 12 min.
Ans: 3 h 14 min
